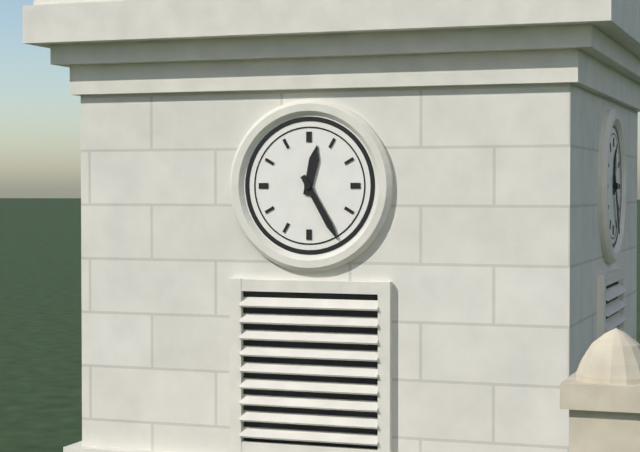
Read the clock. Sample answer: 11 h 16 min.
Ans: 12 h 25 min
